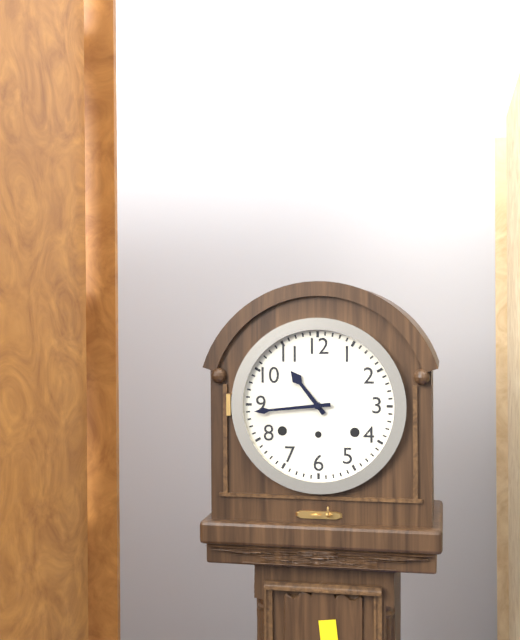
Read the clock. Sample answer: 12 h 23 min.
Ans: 10 h 44 min
